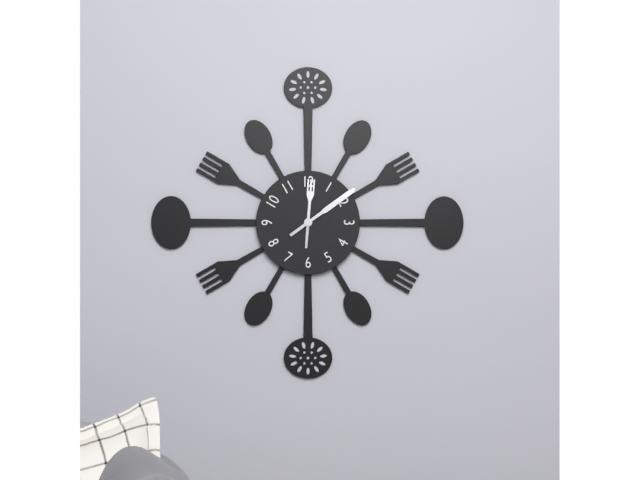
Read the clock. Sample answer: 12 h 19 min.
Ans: 12 h 09 min
